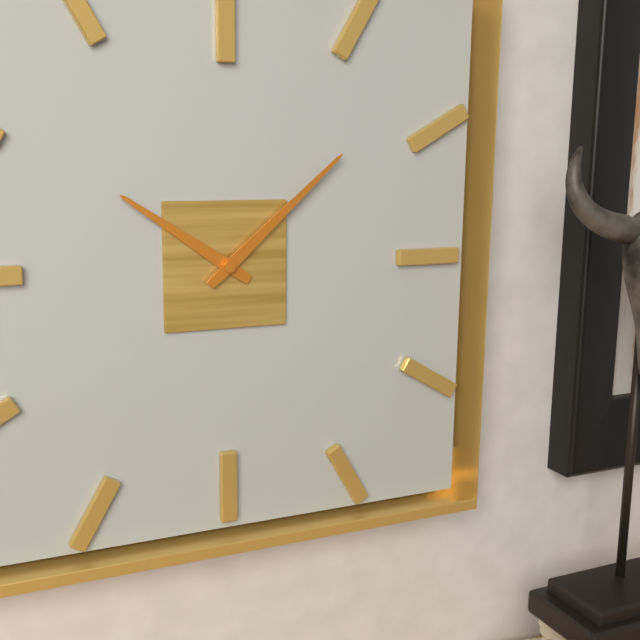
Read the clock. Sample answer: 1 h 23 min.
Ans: 10 h 08 min
